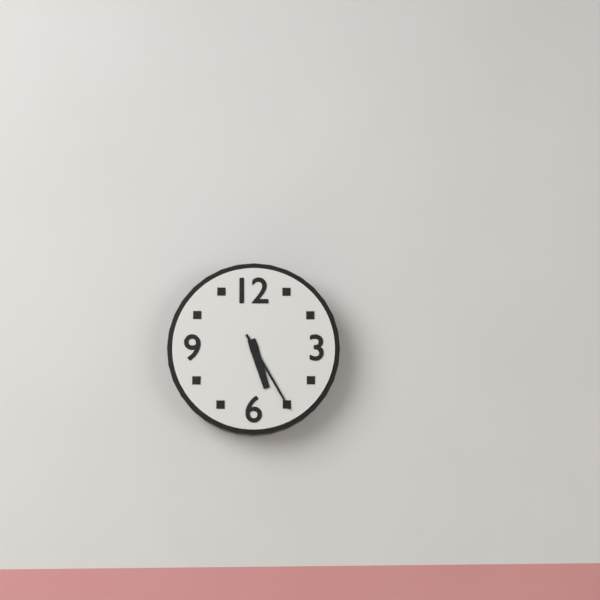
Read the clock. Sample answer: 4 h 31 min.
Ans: 5 h 25 min
